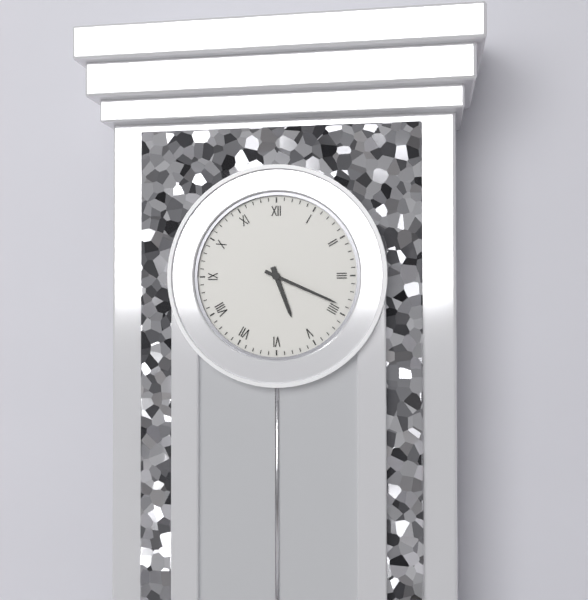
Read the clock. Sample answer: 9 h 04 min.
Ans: 5 h 19 min
